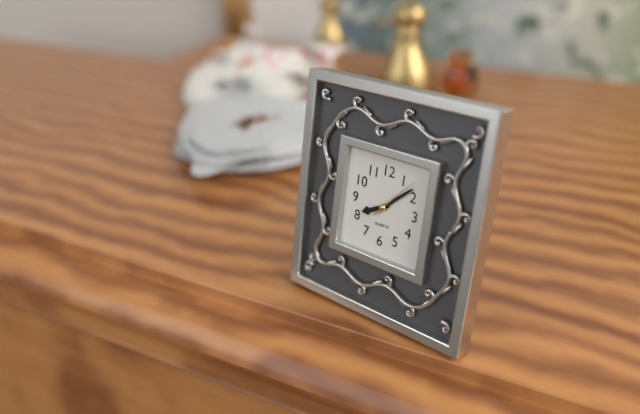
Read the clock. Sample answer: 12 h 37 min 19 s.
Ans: 8 h 08 min 07 s
